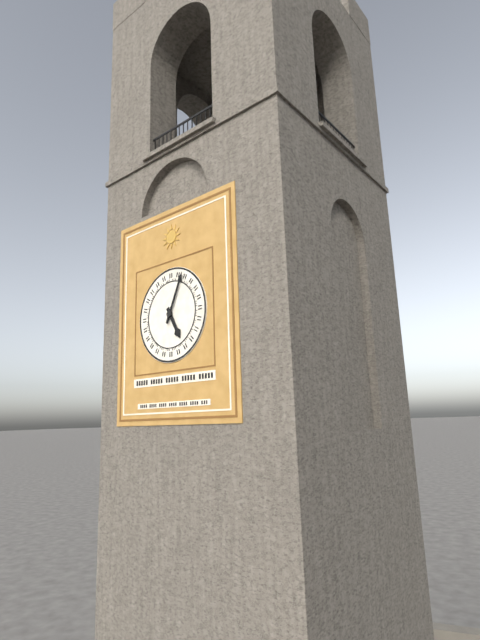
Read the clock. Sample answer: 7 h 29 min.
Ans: 5 h 04 min
